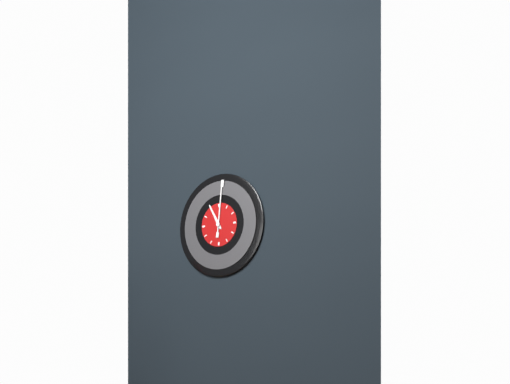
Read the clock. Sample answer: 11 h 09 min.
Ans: 11 h 01 min
